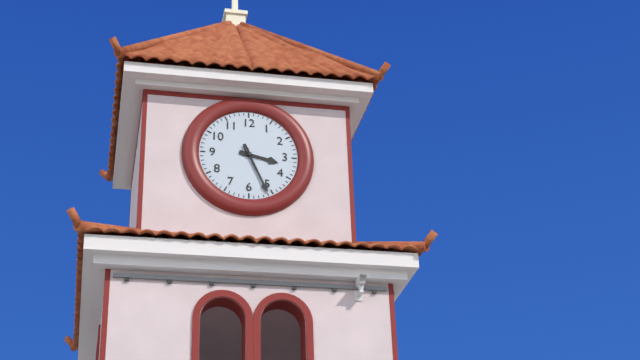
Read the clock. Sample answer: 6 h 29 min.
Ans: 3 h 26 min
